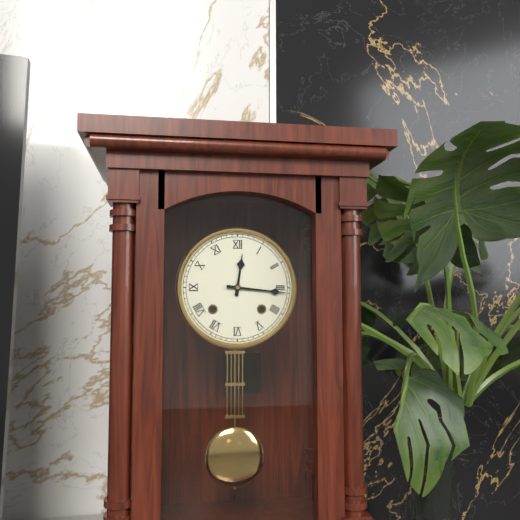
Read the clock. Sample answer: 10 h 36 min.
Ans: 12 h 16 min
